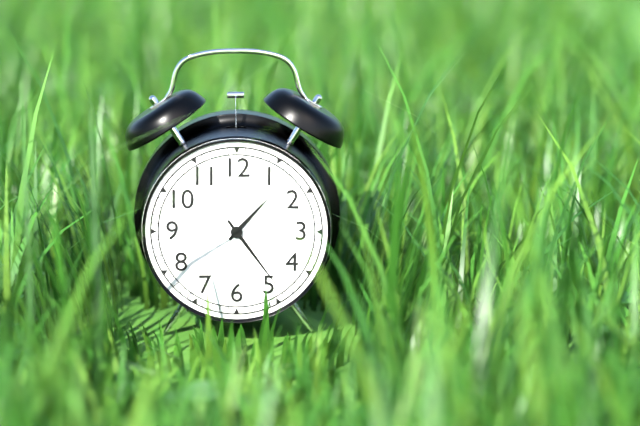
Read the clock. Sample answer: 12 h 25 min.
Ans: 1 h 24 min
